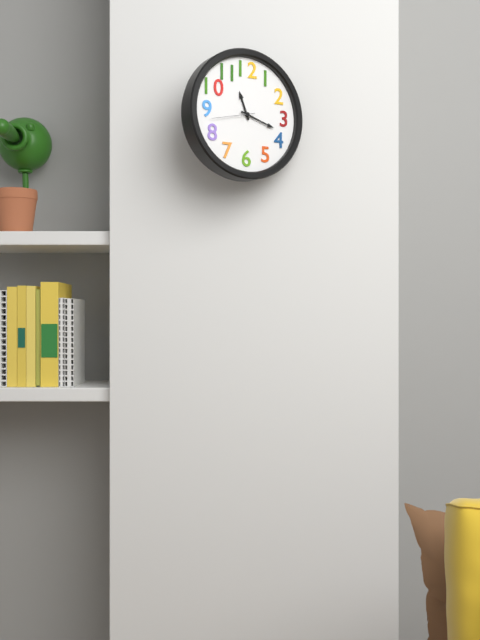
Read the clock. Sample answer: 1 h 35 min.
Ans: 11 h 18 min
